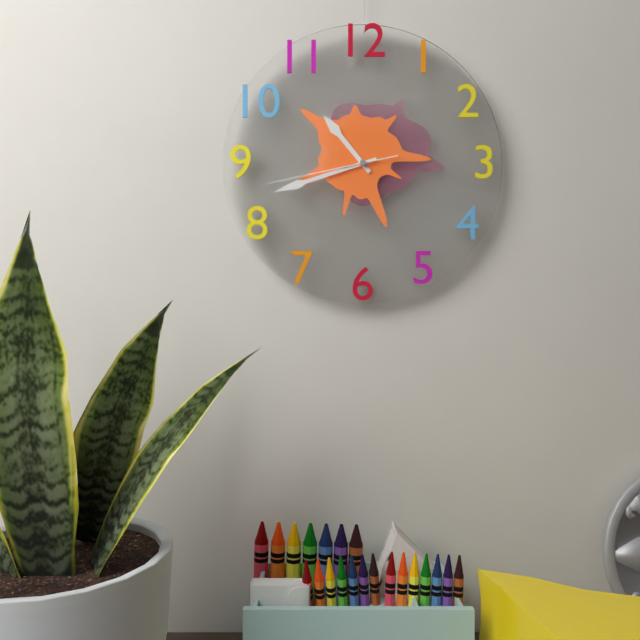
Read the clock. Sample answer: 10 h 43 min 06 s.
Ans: 10 h 42 min 43 s
